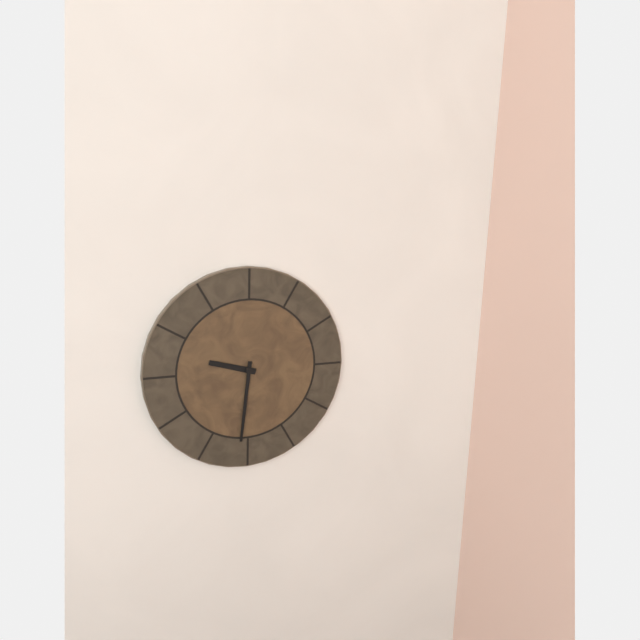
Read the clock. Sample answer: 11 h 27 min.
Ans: 9 h 31 min
